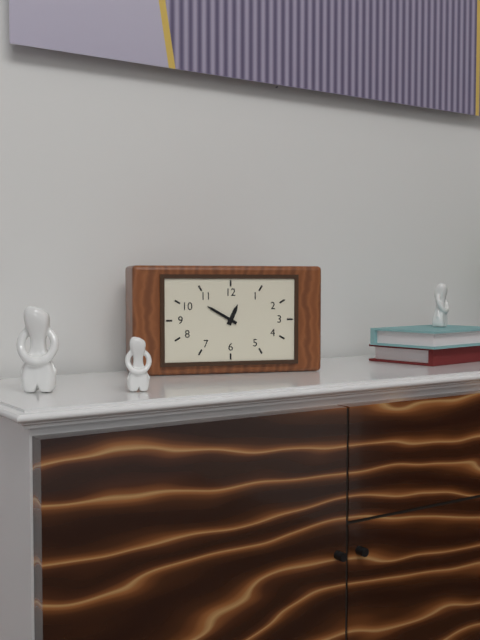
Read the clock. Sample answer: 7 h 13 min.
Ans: 12 h 50 min
